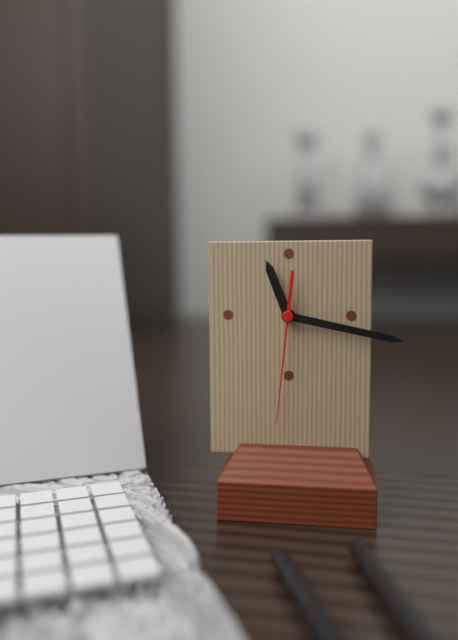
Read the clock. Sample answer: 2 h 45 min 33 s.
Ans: 11 h 17 min 31 s
